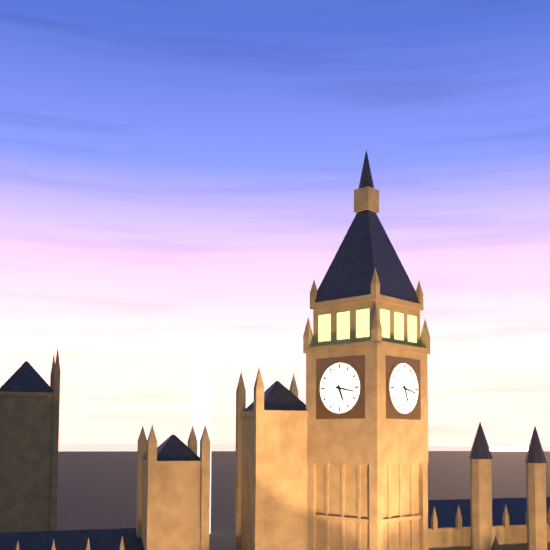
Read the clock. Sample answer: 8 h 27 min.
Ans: 5 h 17 min
